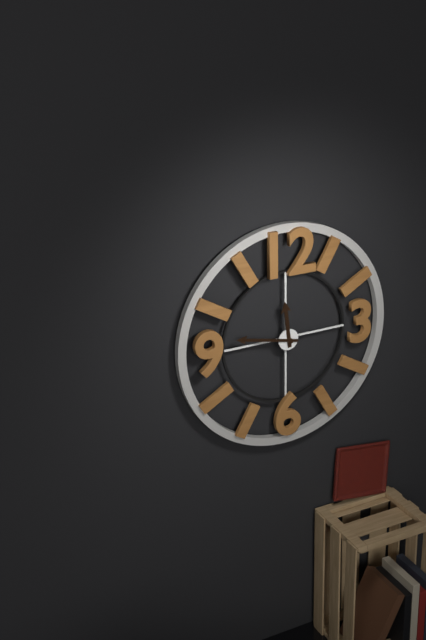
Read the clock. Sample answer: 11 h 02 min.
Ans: 11 h 47 min
